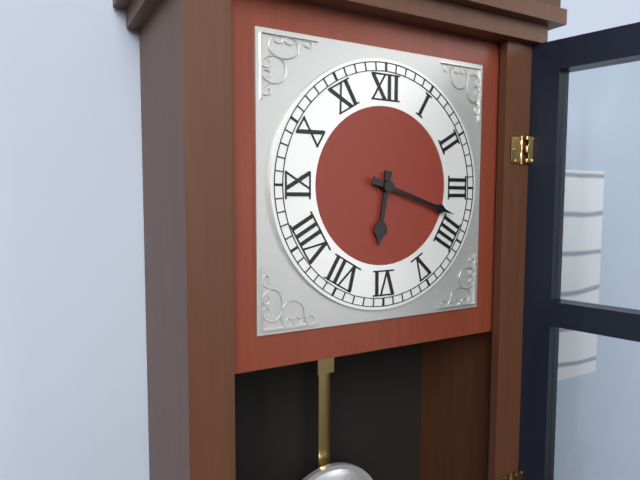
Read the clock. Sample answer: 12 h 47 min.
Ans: 6 h 18 min
